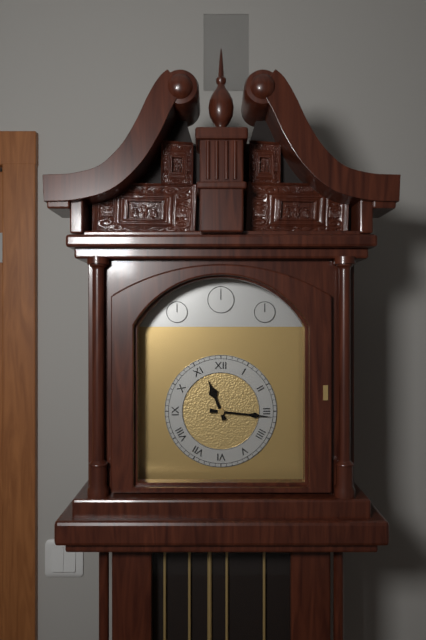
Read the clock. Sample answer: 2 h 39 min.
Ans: 11 h 16 min
